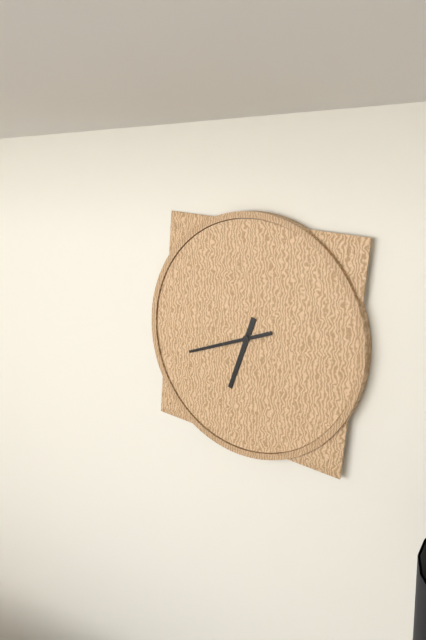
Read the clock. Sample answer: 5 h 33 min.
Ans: 6 h 42 min
